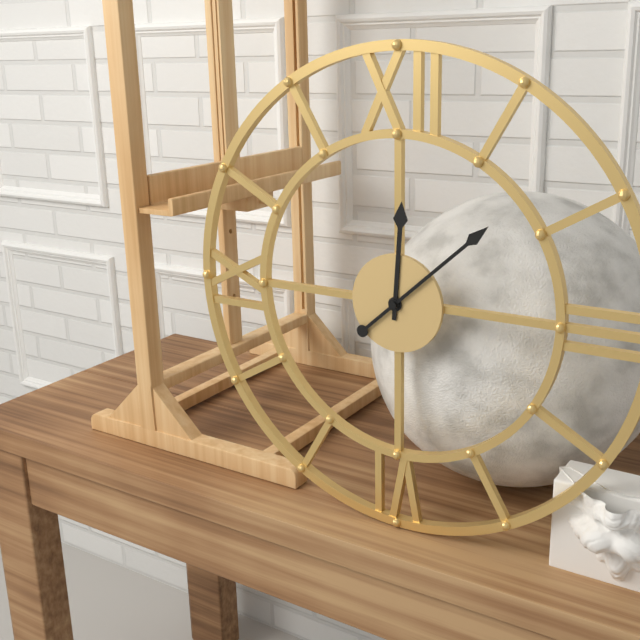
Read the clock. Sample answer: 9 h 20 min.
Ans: 12 h 08 min
